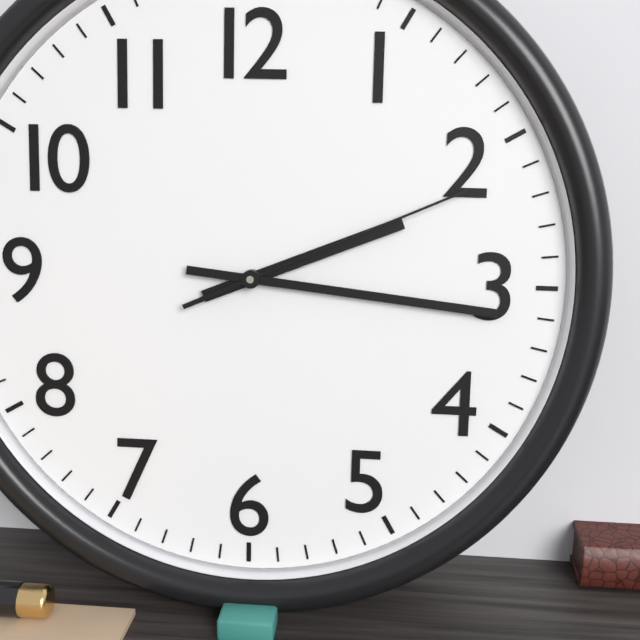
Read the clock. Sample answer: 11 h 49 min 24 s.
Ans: 2 h 16 min 11 s
